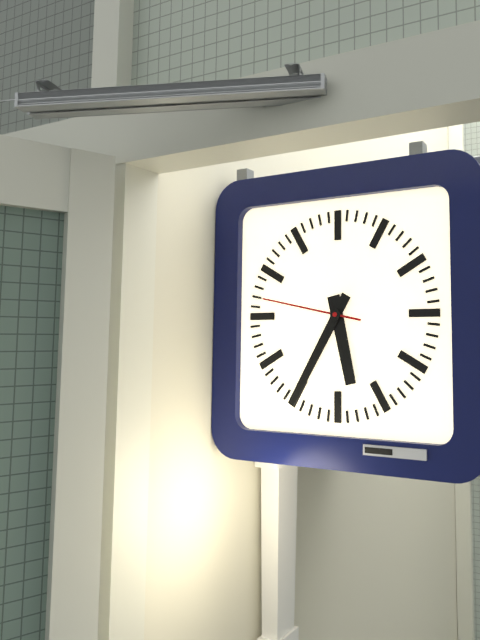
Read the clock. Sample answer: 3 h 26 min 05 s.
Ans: 5 h 35 min 47 s
